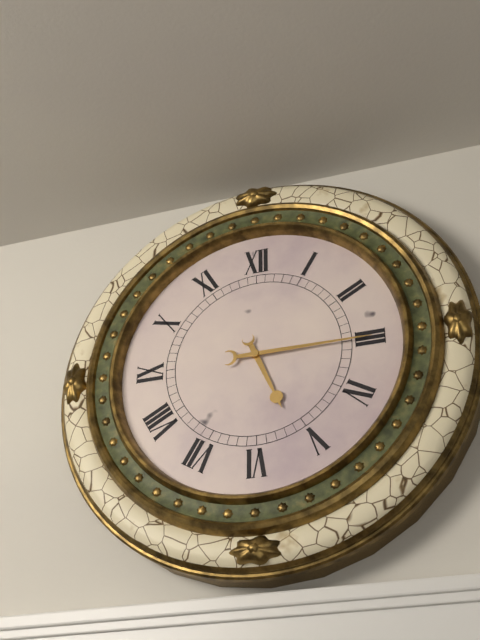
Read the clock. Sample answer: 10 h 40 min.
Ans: 5 h 15 min
